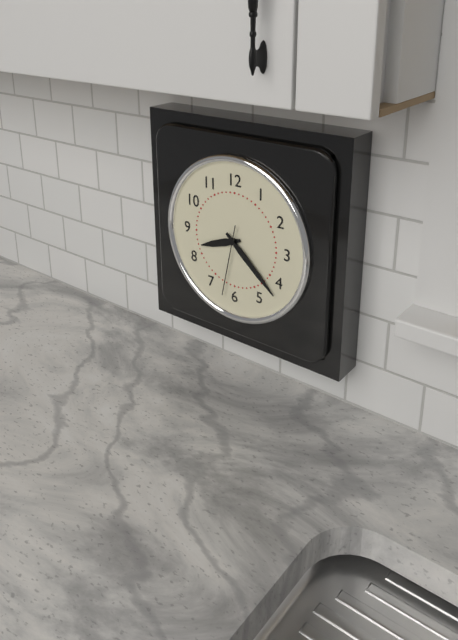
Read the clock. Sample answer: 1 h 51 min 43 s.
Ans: 8 h 22 min 32 s
